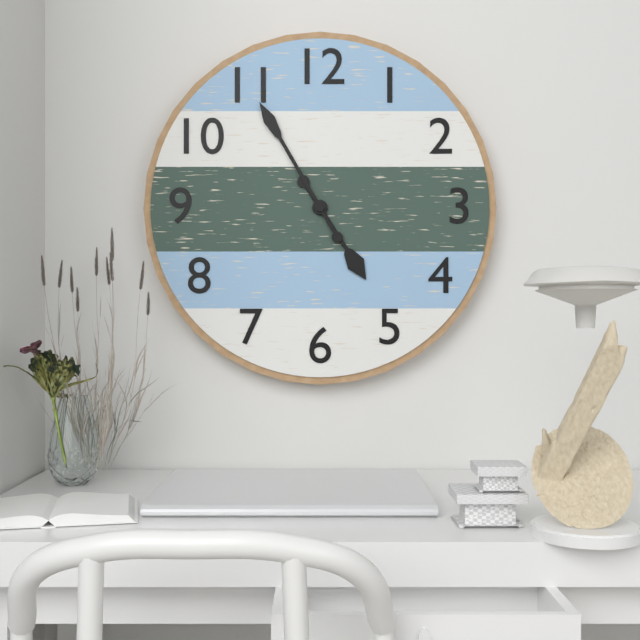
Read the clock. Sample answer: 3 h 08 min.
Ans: 4 h 55 min
